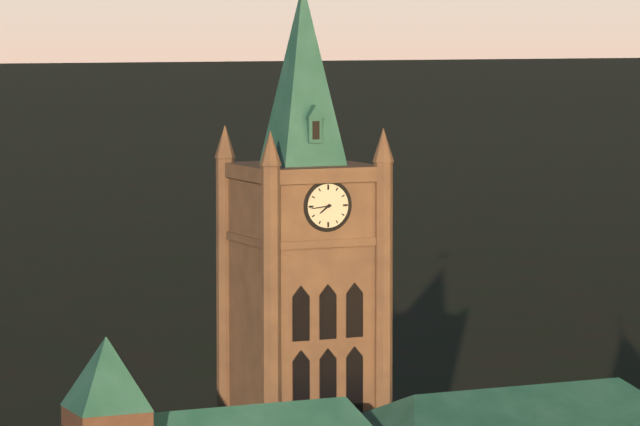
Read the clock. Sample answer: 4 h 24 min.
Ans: 7 h 44 min
